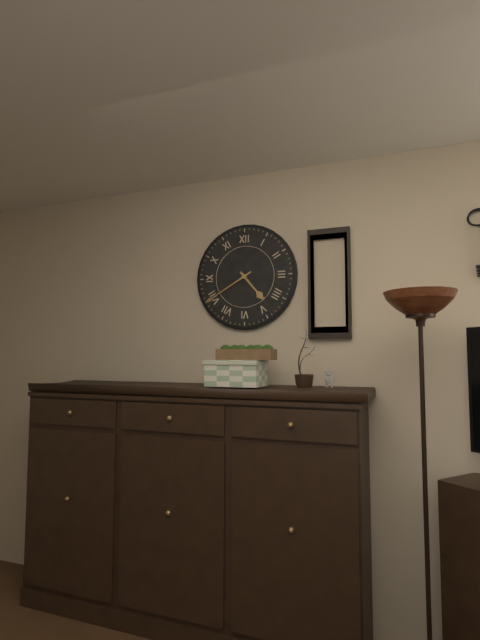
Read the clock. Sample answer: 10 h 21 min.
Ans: 4 h 40 min
